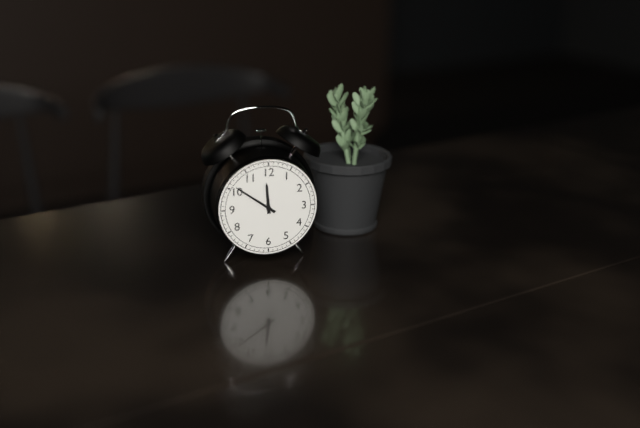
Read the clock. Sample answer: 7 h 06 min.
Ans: 11 h 51 min
